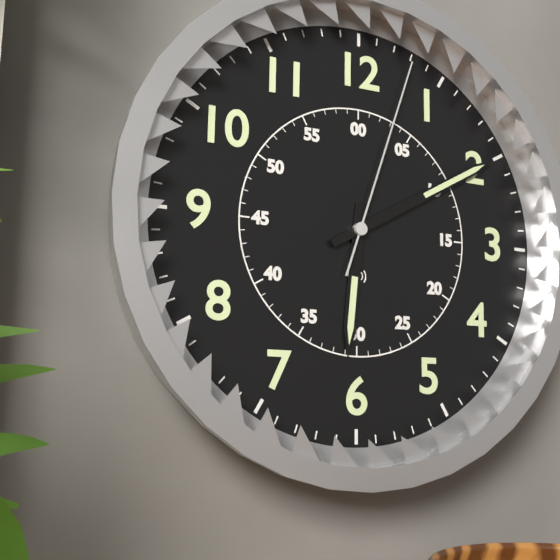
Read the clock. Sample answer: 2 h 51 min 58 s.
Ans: 6 h 10 min 03 s
